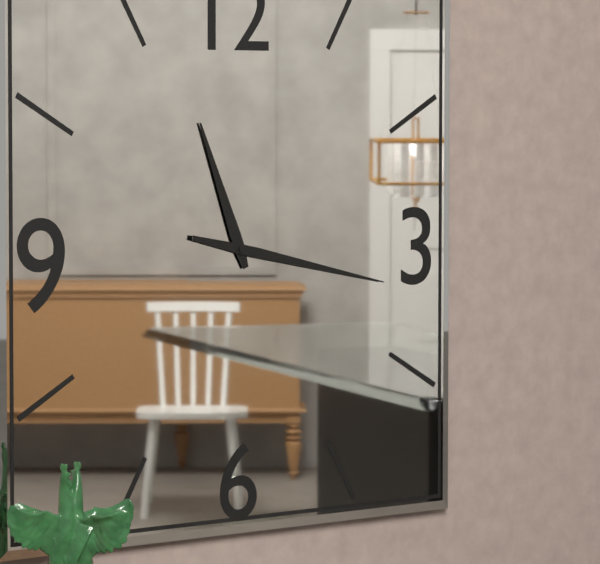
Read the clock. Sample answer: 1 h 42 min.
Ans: 11 h 17 min
